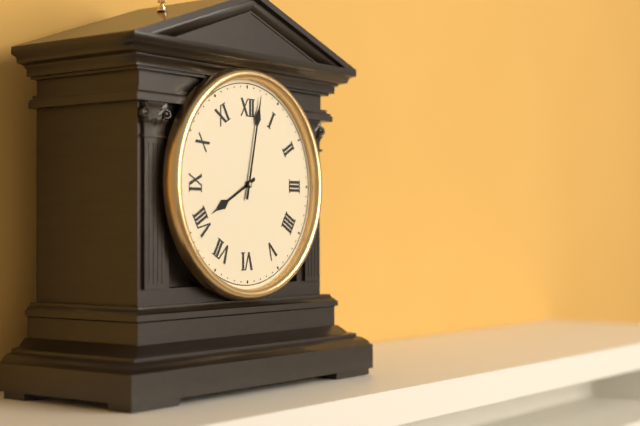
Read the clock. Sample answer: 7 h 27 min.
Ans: 8 h 02 min
